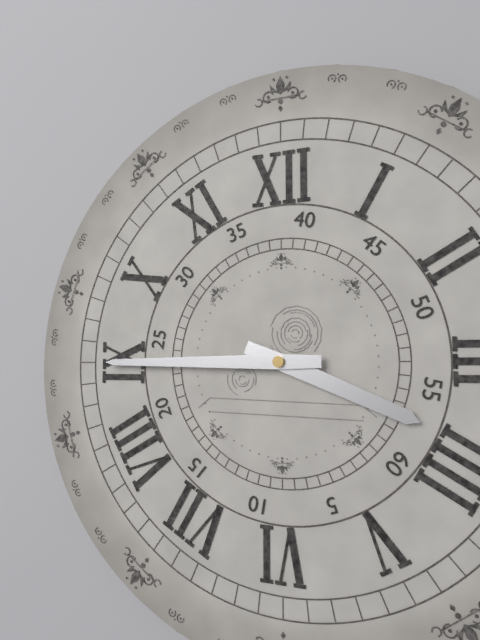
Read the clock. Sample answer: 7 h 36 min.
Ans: 3 h 45 min
